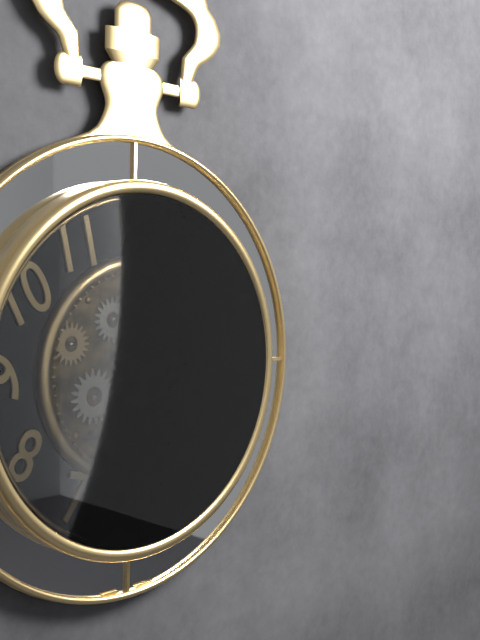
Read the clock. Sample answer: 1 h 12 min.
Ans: 1 h 21 min
